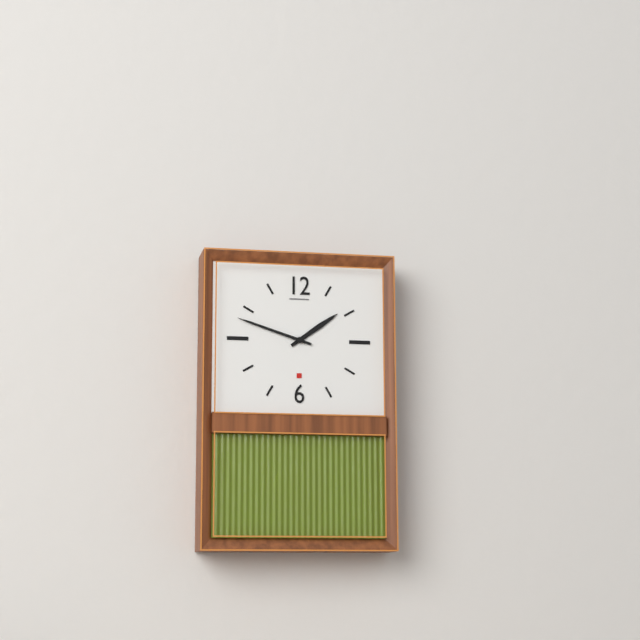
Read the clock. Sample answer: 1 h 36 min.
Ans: 1 h 48 min
